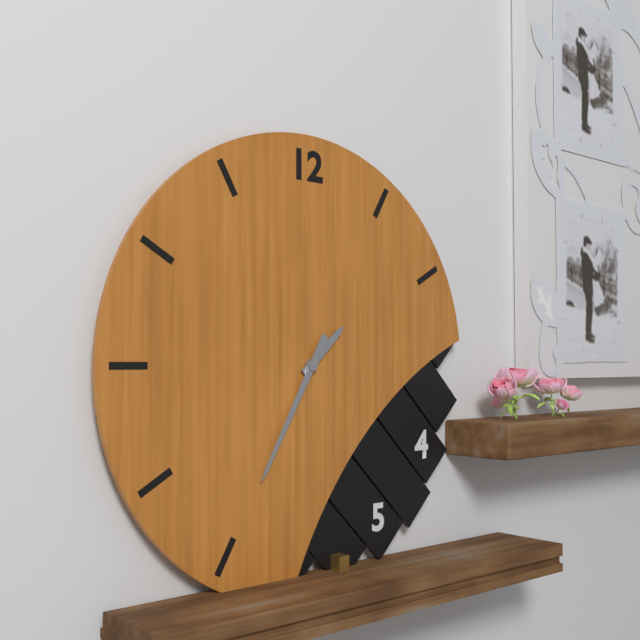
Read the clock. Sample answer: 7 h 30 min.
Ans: 1 h 35 min
